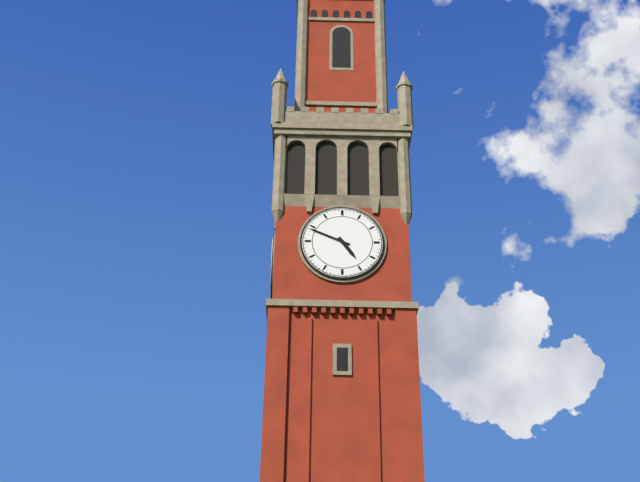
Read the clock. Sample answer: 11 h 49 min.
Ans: 4 h 49 min
